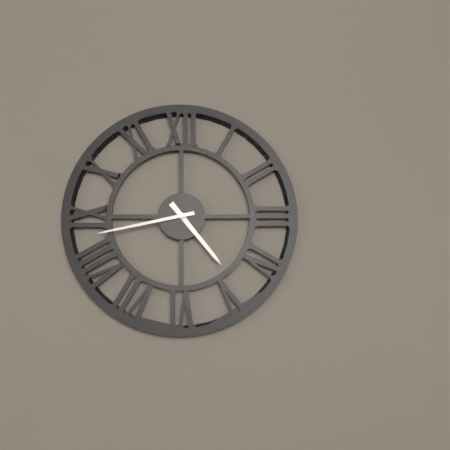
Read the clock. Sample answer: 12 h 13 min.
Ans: 4 h 43 min
